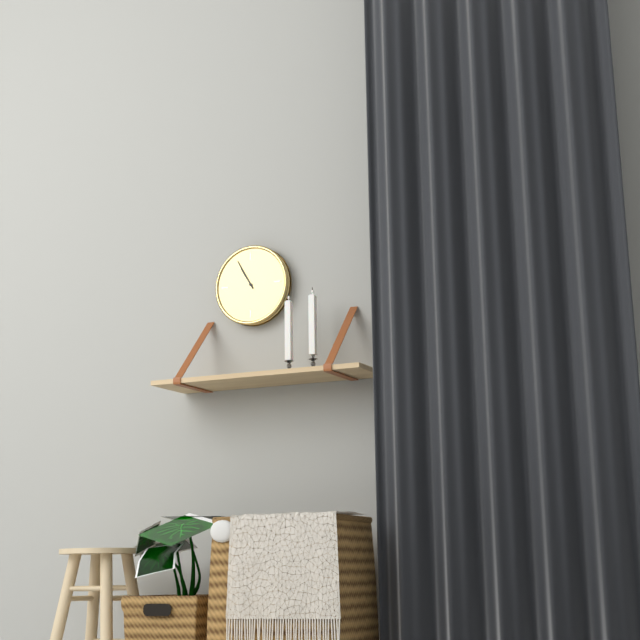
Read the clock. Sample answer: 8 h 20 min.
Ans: 10 h 55 min
